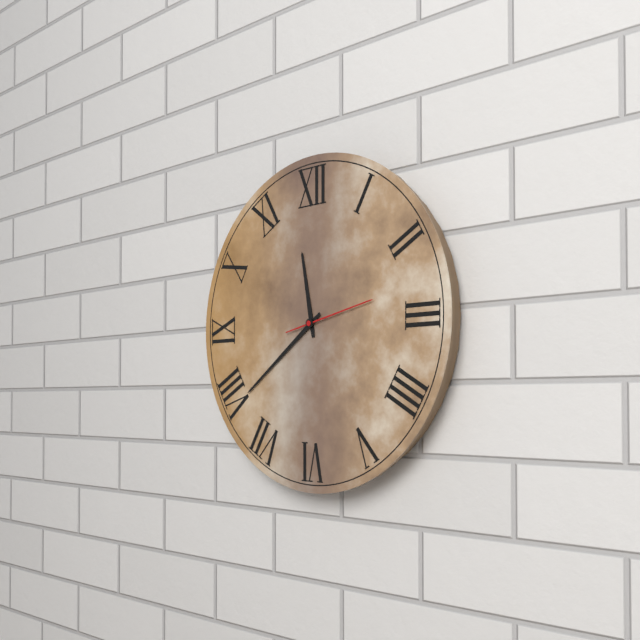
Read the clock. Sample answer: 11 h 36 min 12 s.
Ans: 11 h 39 min 13 s
